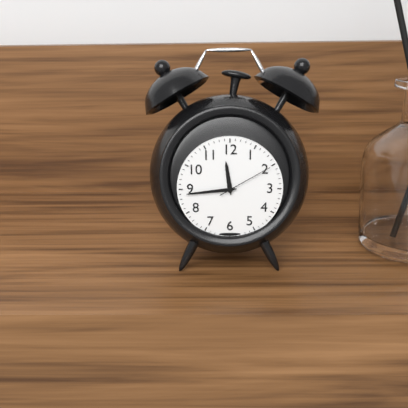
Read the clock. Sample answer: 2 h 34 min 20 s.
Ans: 11 h 44 min 10 s
